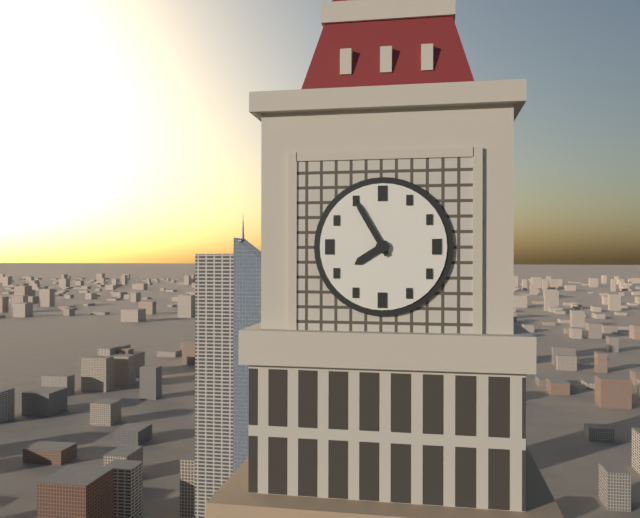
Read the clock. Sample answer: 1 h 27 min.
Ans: 7 h 55 min
